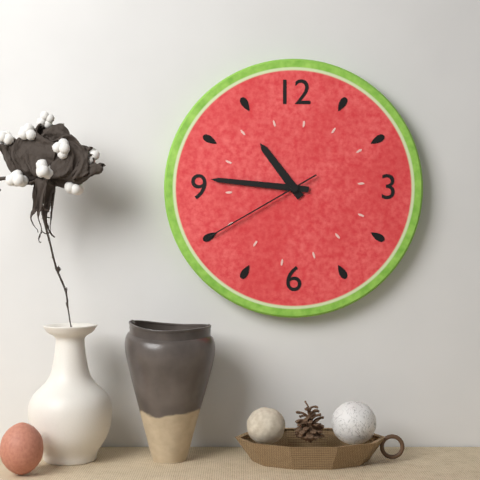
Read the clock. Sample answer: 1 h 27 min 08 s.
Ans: 10 h 46 min 40 s
